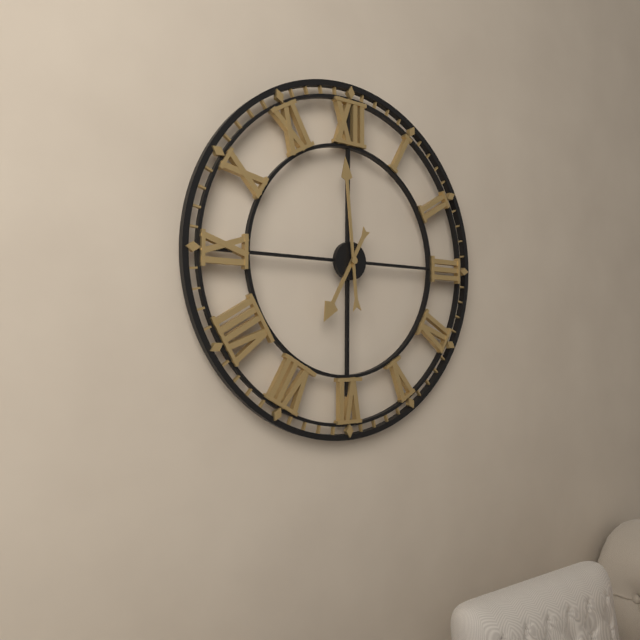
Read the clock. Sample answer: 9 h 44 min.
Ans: 6 h 59 min
